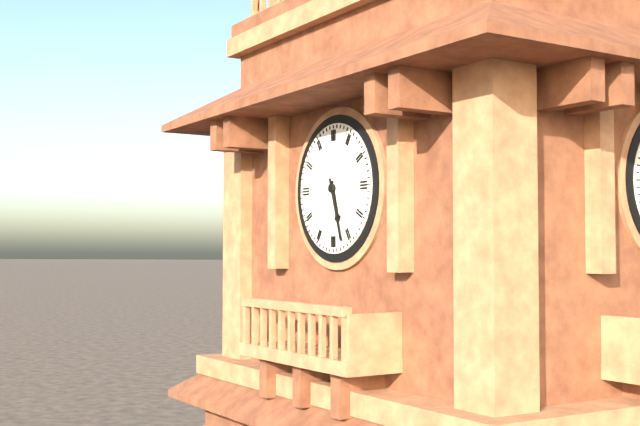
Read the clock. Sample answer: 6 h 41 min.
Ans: 5 h 27 min
